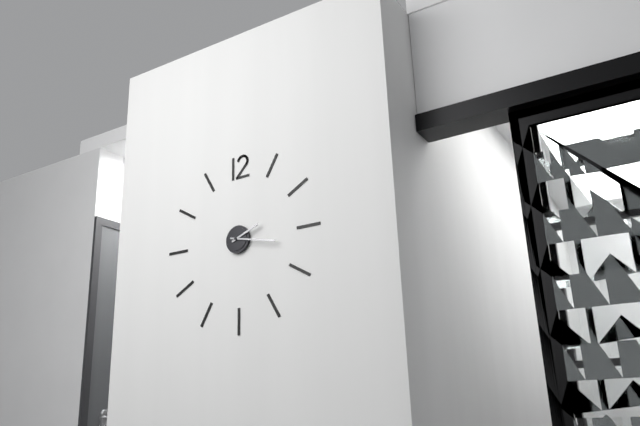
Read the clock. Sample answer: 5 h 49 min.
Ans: 2 h 17 min
